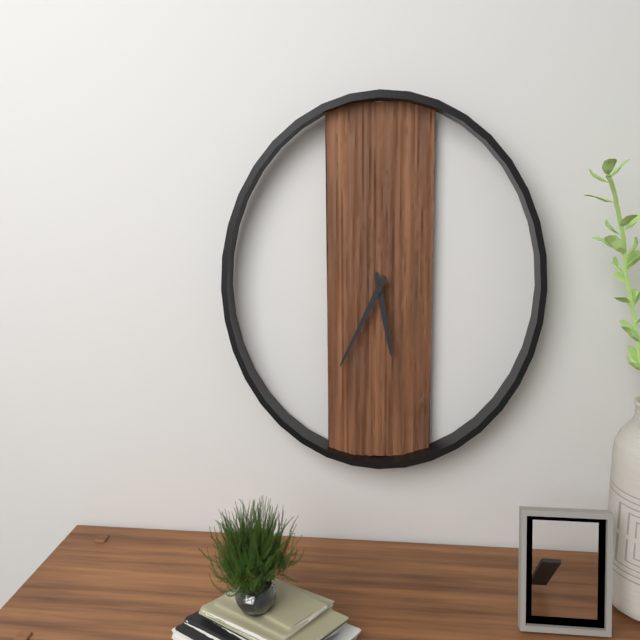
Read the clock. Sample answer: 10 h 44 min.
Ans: 5 h 35 min
